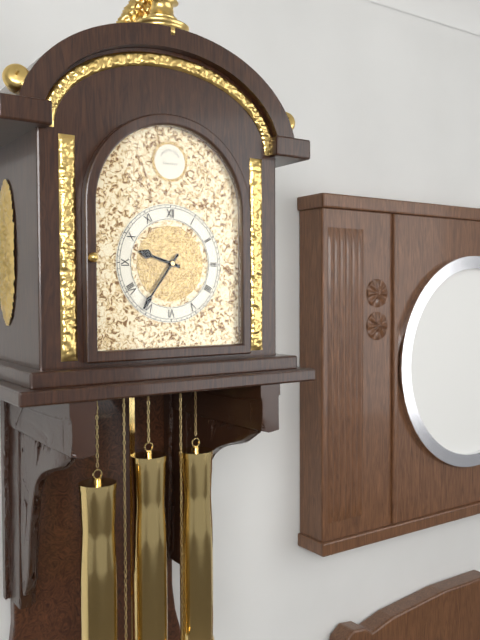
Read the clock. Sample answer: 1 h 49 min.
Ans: 9 h 36 min
